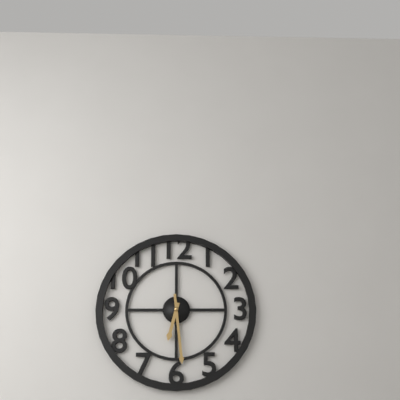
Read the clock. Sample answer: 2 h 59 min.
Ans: 6 h 29 min
